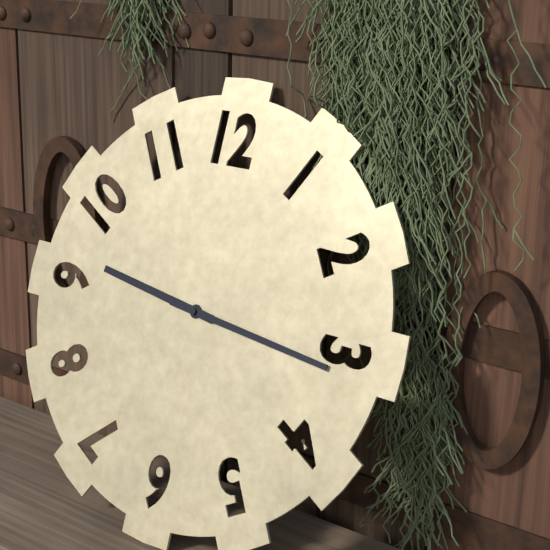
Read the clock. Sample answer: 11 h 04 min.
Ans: 9 h 16 min
